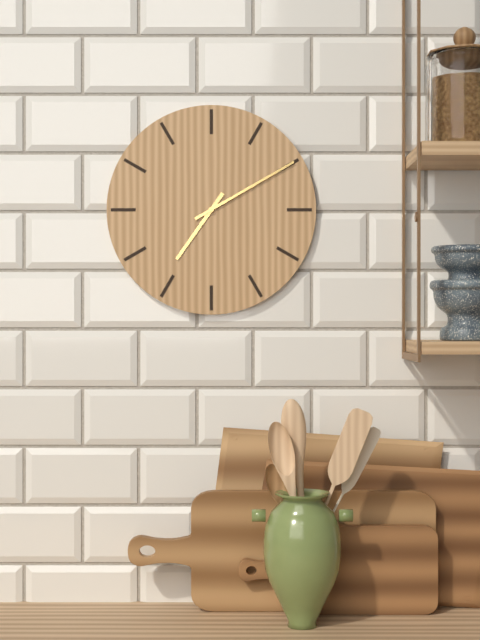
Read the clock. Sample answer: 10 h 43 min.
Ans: 7 h 10 min
